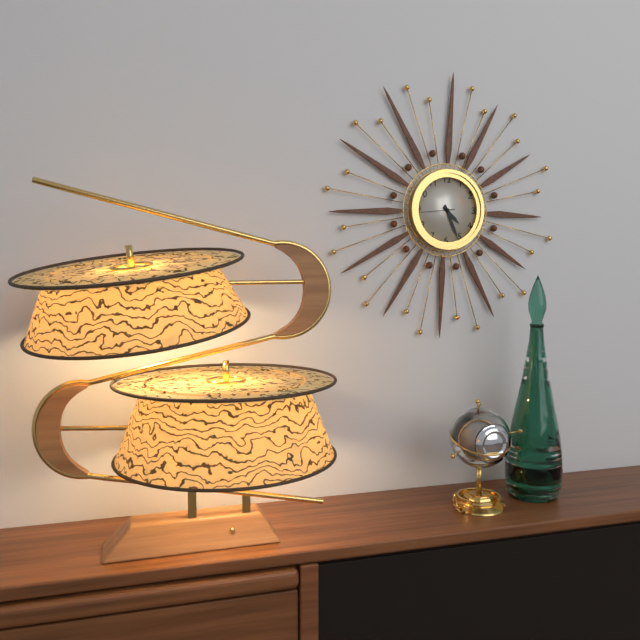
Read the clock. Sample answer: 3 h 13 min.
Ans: 4 h 26 min
